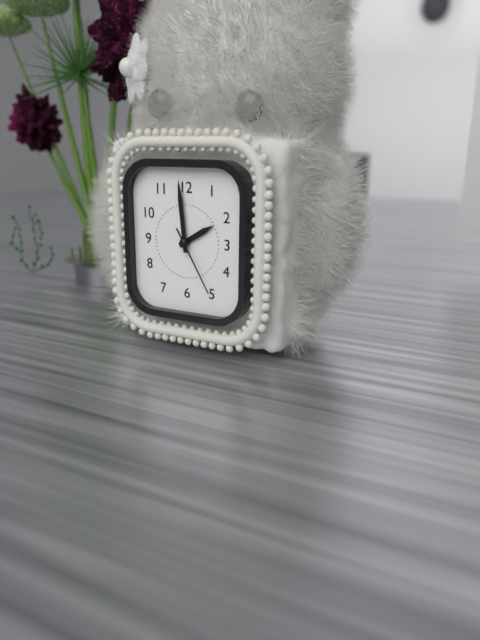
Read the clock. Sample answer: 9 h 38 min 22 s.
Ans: 1 h 59 min 25 s
